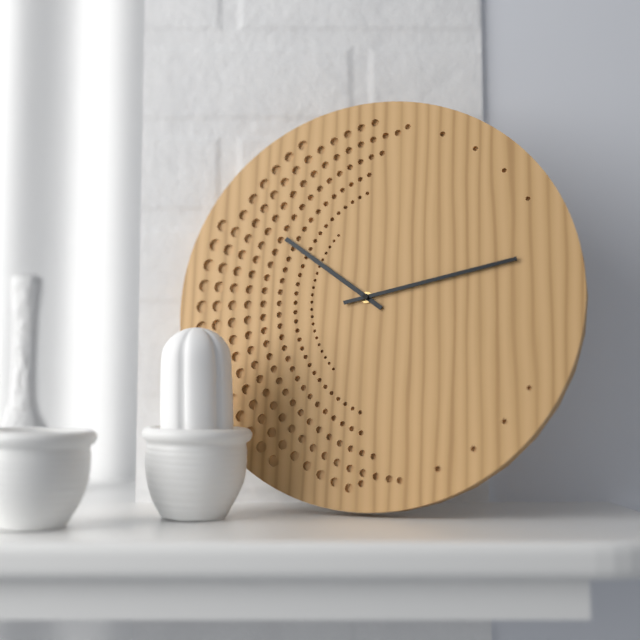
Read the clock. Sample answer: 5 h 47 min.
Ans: 10 h 13 min
